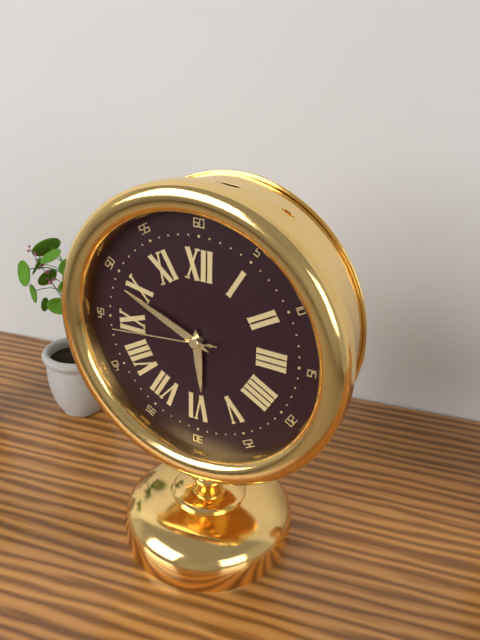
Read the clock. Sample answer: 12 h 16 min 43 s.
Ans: 5 h 49 min 44 s
